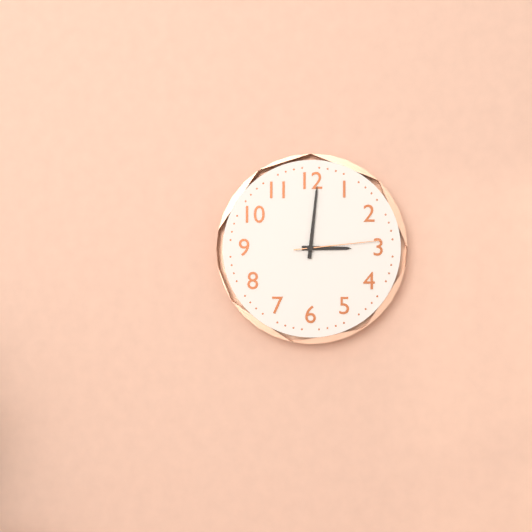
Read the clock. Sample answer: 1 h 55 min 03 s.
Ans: 3 h 01 min 14 s
